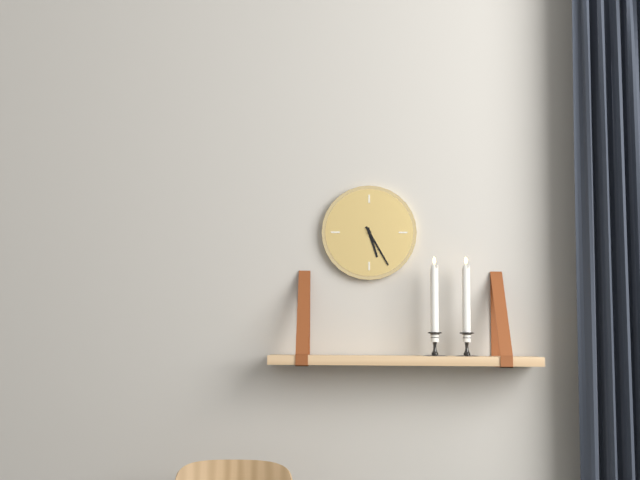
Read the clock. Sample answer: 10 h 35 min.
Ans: 5 h 25 min
